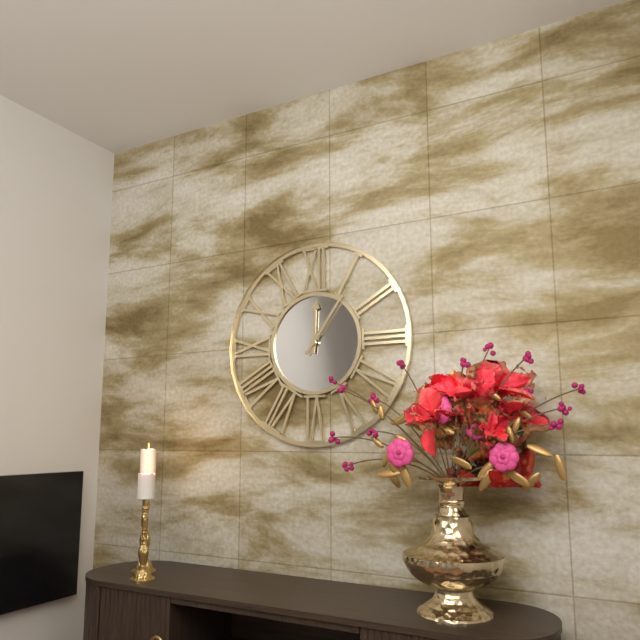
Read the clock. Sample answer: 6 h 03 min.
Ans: 12 h 06 min
